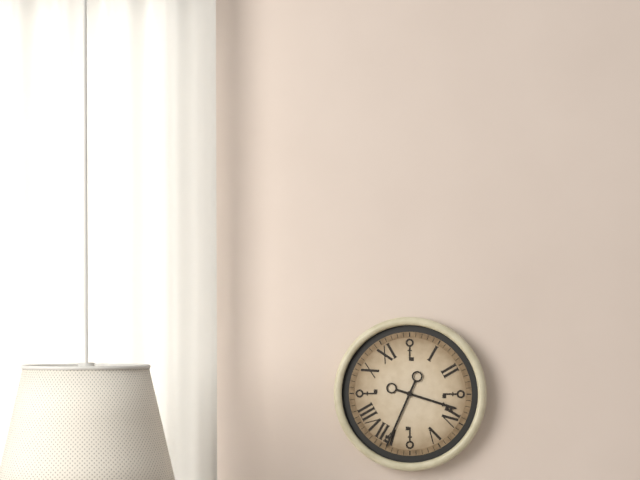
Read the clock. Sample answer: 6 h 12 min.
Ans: 3 h 34 min
